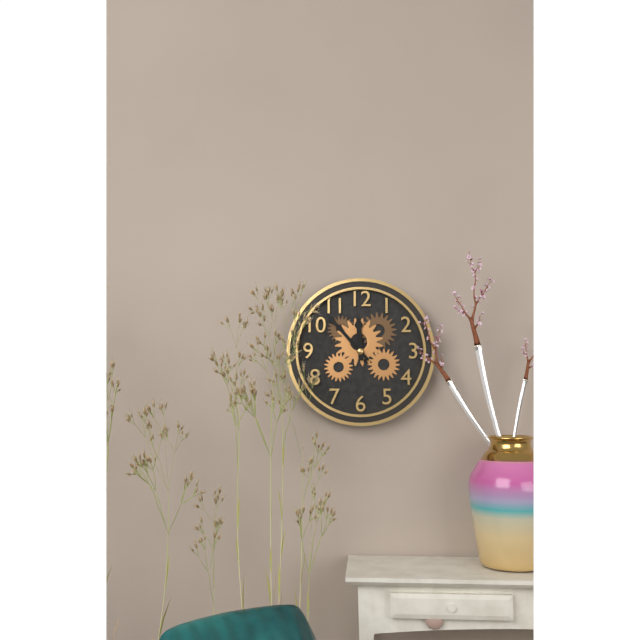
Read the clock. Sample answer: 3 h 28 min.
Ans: 11 h 53 min
